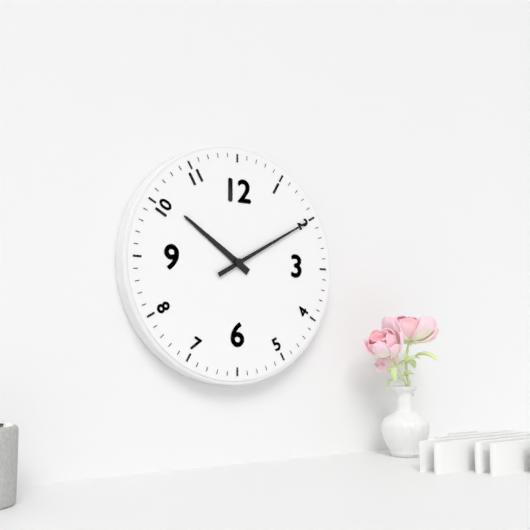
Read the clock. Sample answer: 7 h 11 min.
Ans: 10 h 10 min
